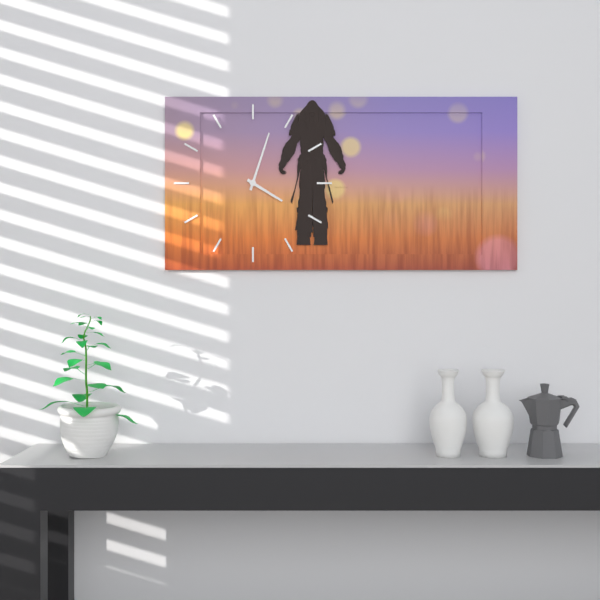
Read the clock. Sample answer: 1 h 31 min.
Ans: 4 h 03 min
